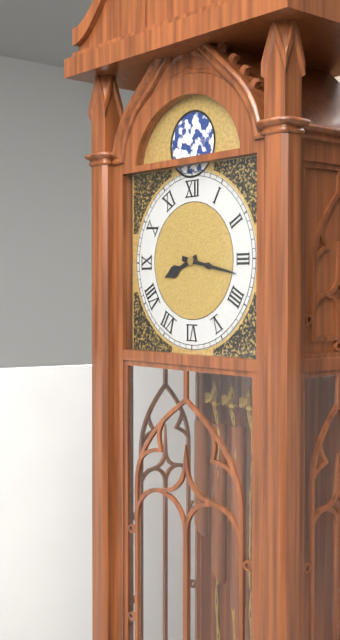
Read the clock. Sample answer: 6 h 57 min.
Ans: 8 h 17 min
